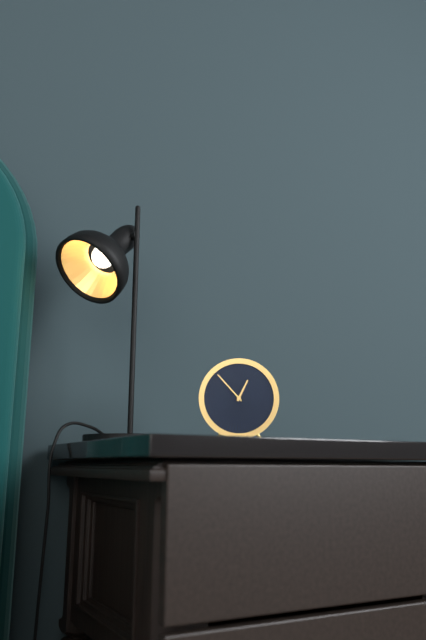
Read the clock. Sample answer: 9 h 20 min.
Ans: 12 h 53 min
